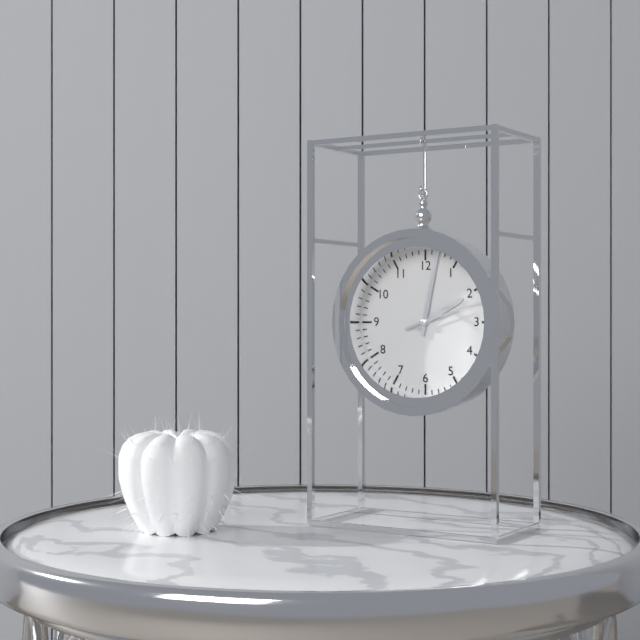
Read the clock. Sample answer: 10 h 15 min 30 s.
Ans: 2 h 02 min 12 s
